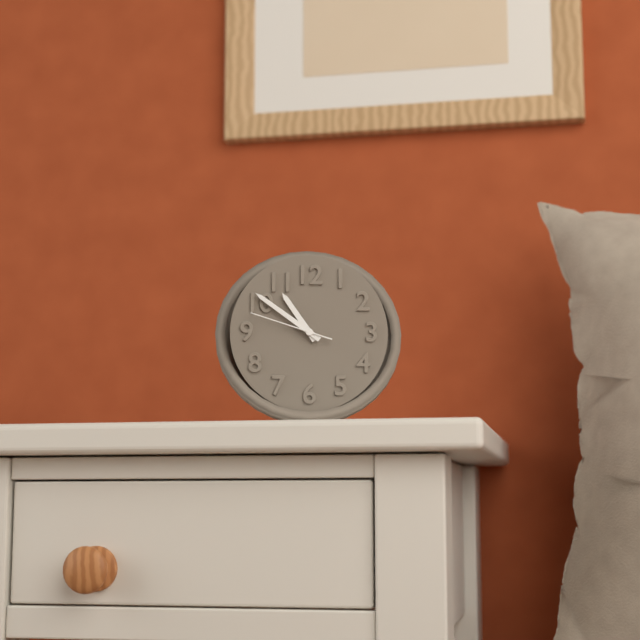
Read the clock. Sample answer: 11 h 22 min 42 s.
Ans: 10 h 51 min 48 s
